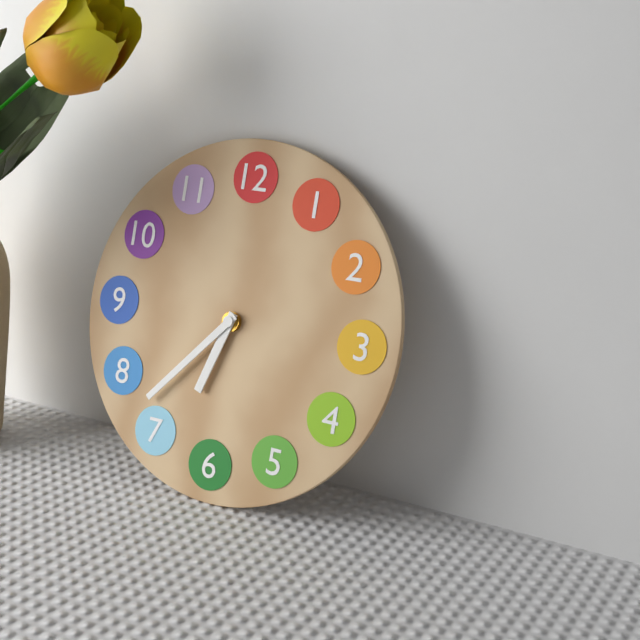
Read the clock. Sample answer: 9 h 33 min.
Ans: 6 h 37 min
